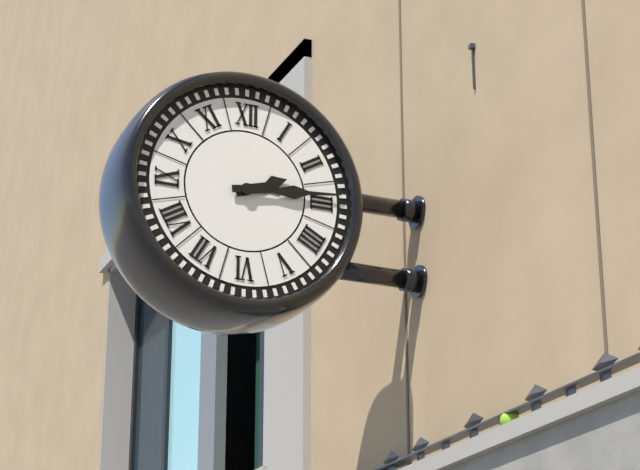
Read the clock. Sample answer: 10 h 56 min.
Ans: 2 h 14 min
